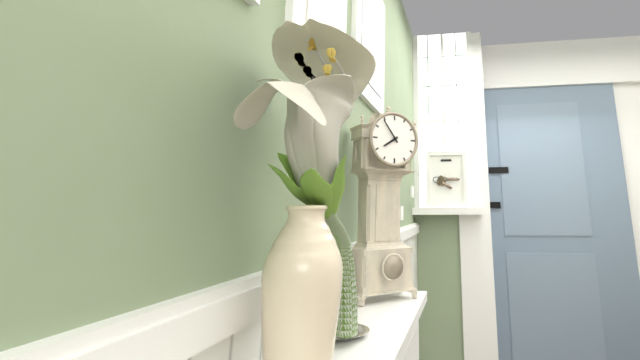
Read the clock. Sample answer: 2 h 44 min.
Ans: 7 h 54 min
